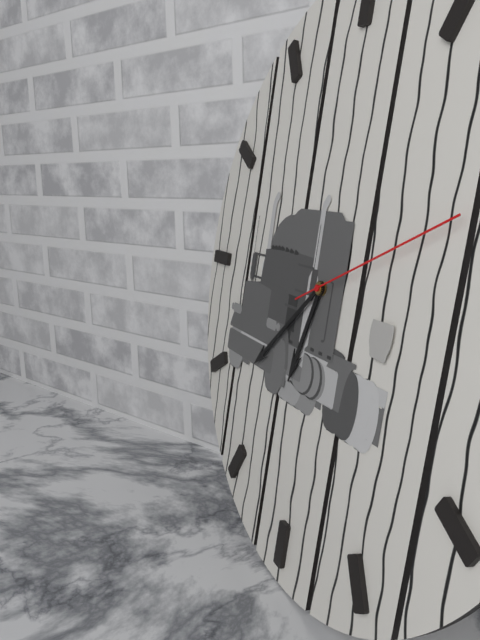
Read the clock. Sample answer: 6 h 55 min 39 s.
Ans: 6 h 38 min 11 s
